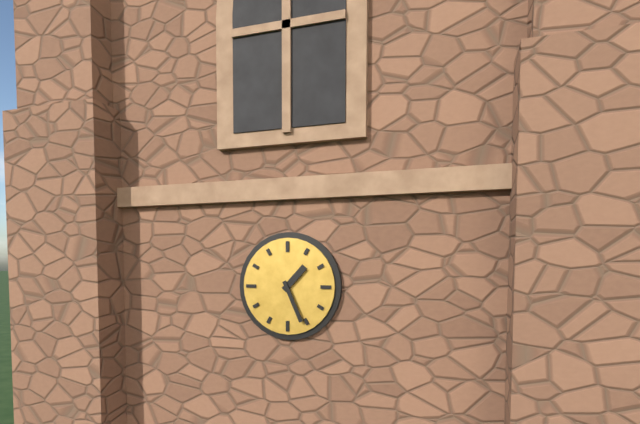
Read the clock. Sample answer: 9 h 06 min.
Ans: 1 h 26 min
